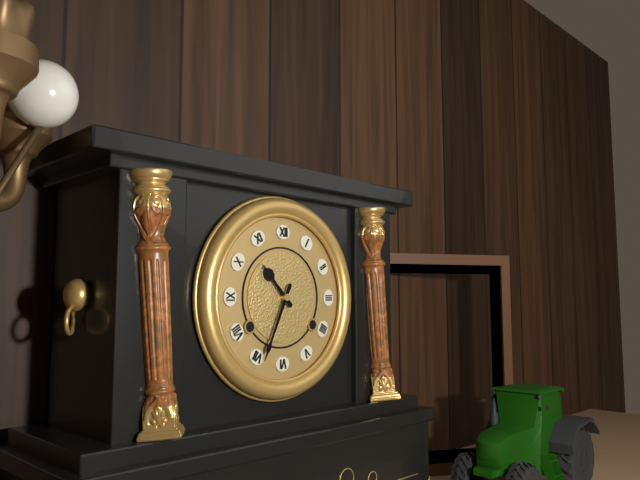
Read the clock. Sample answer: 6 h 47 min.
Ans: 10 h 34 min
